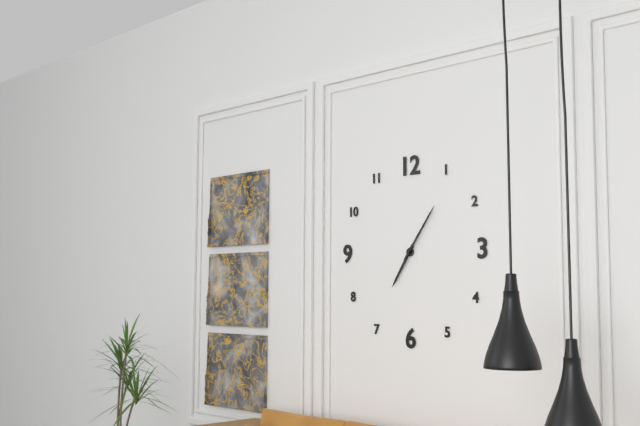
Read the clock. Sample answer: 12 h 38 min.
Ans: 7 h 06 min
